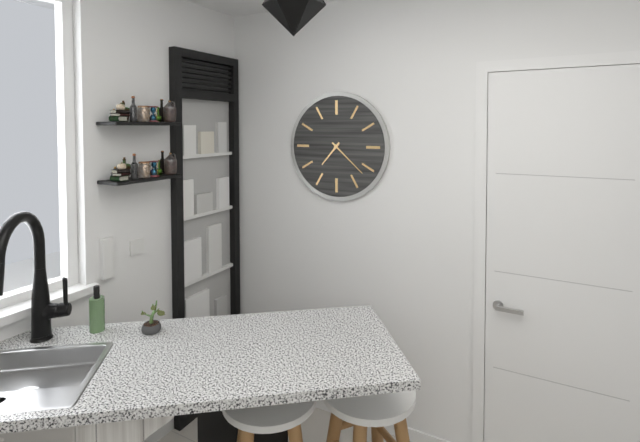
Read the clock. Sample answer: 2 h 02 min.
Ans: 7 h 22 min
